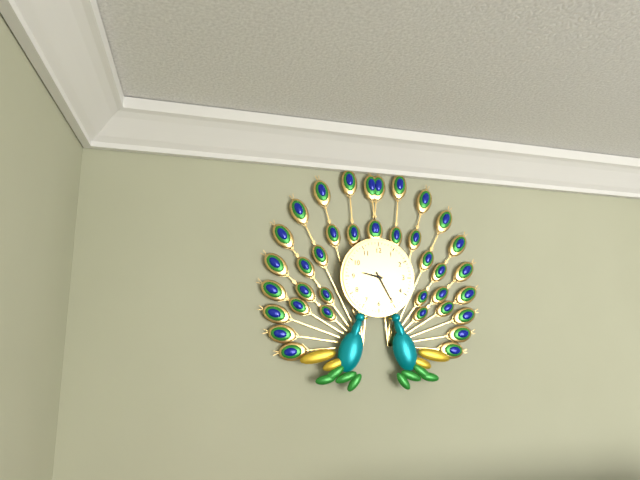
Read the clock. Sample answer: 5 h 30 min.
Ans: 9 h 25 min
